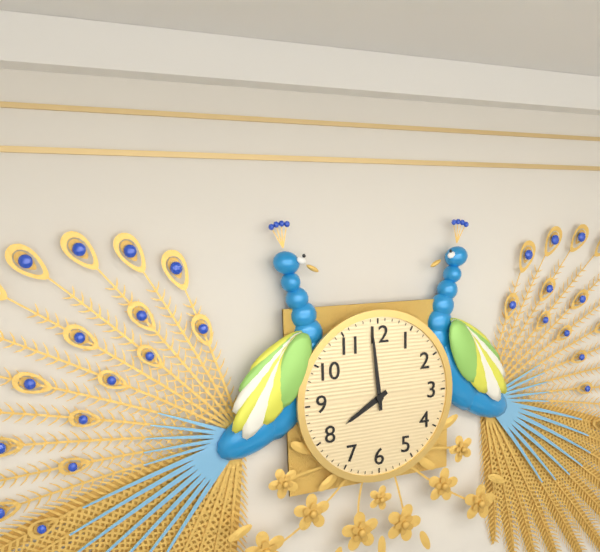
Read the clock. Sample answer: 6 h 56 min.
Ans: 7 h 59 min
